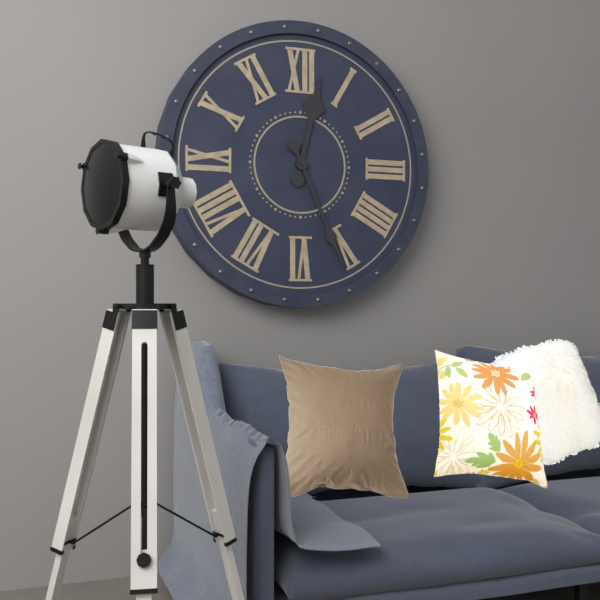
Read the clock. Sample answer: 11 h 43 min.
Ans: 12 h 26 min
